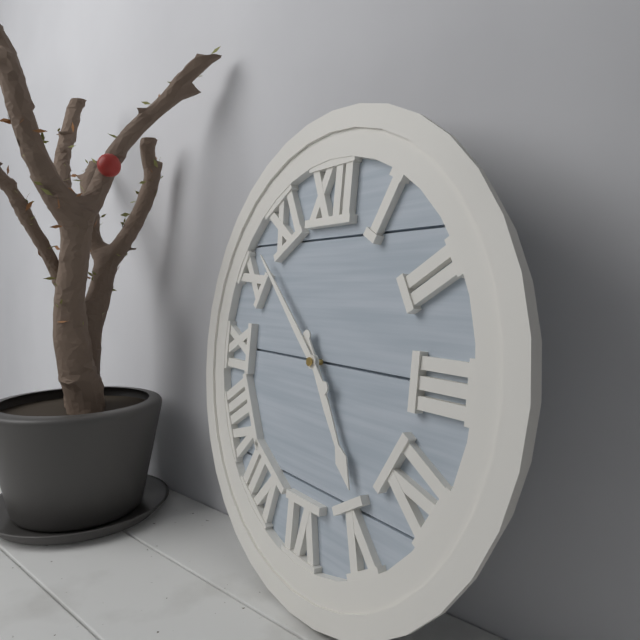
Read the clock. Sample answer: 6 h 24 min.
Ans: 4 h 52 min
